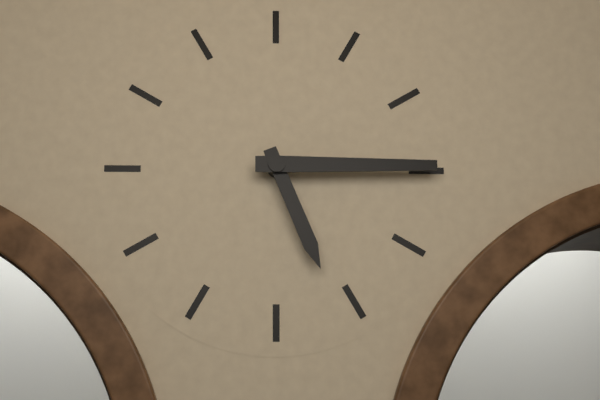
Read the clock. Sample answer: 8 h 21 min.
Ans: 5 h 15 min
